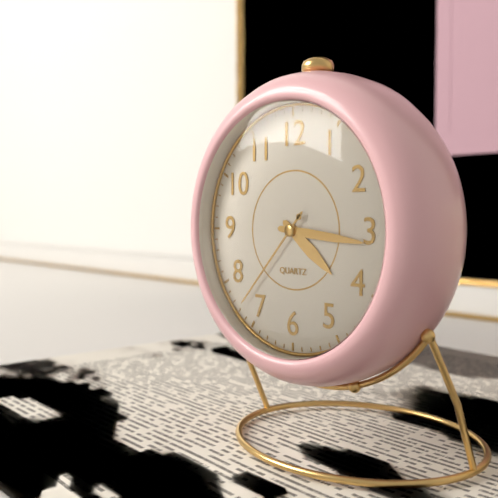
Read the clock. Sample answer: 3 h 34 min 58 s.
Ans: 4 h 16 min 37 s
